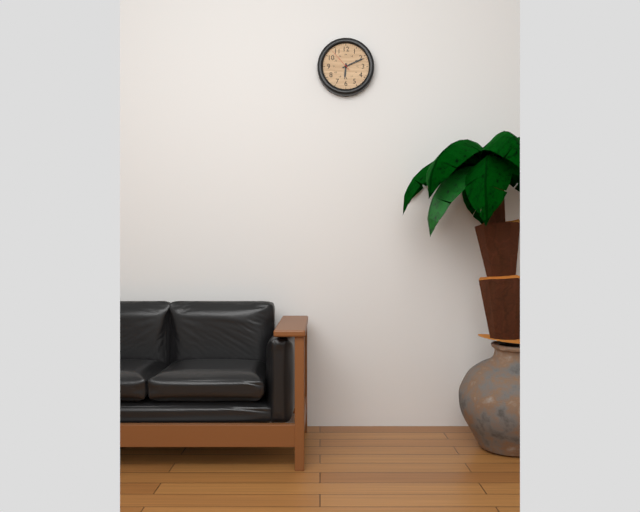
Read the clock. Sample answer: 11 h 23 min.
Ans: 6 h 11 min
